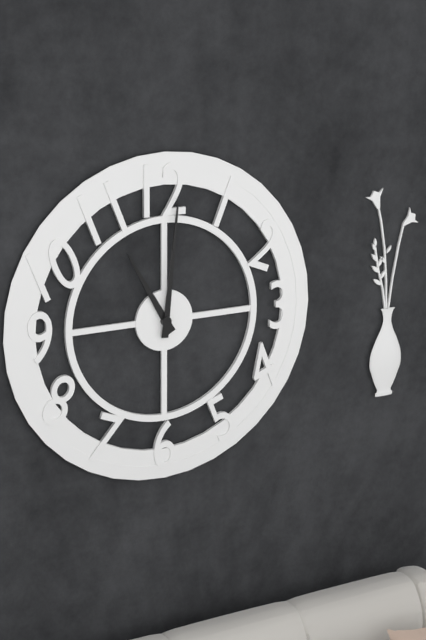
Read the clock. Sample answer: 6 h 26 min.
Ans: 11 h 01 min
